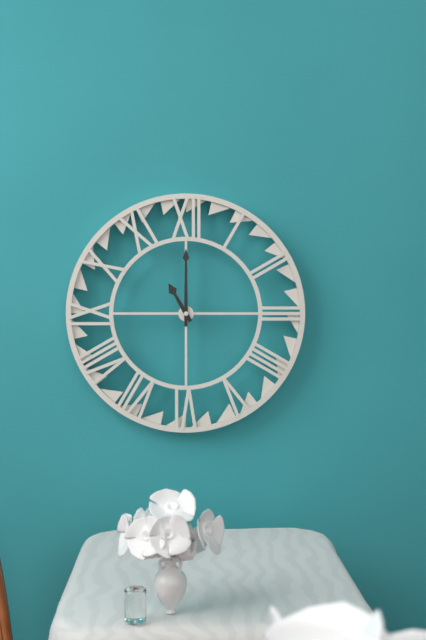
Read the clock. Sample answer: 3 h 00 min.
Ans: 11 h 00 min
